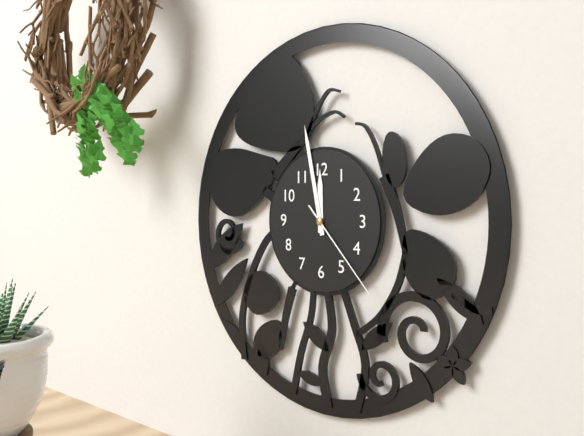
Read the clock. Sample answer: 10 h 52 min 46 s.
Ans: 11 h 58 min 23 s
